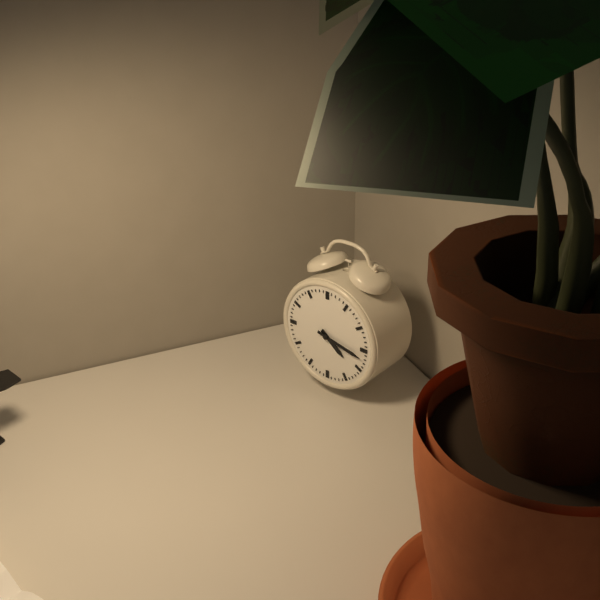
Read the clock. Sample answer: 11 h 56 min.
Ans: 4 h 17 min
